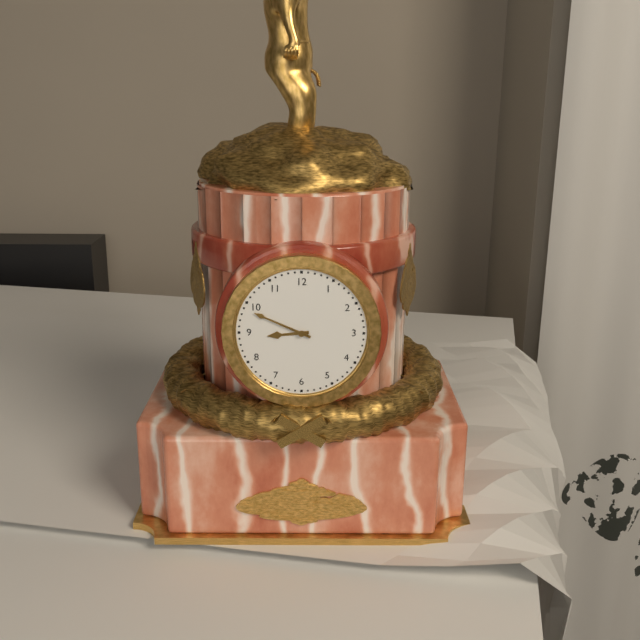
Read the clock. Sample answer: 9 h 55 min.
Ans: 8 h 49 min
